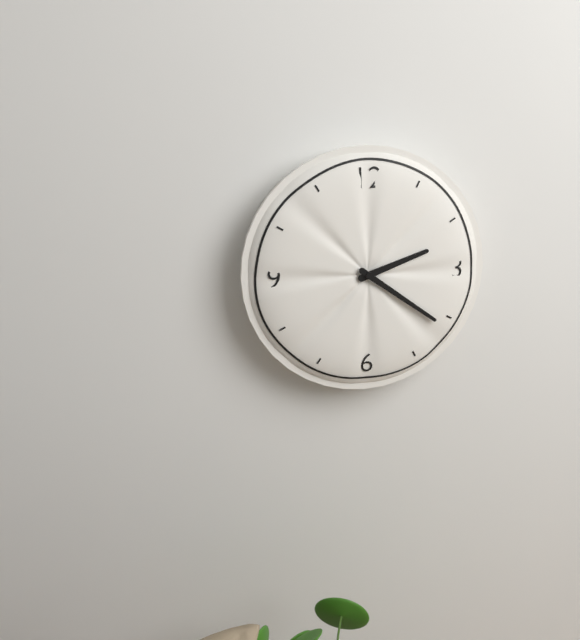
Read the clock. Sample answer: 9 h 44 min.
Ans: 2 h 21 min
